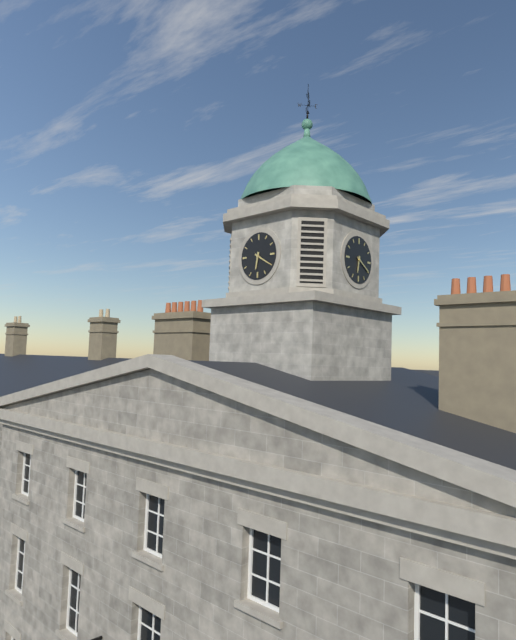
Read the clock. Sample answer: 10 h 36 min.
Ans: 6 h 20 min
